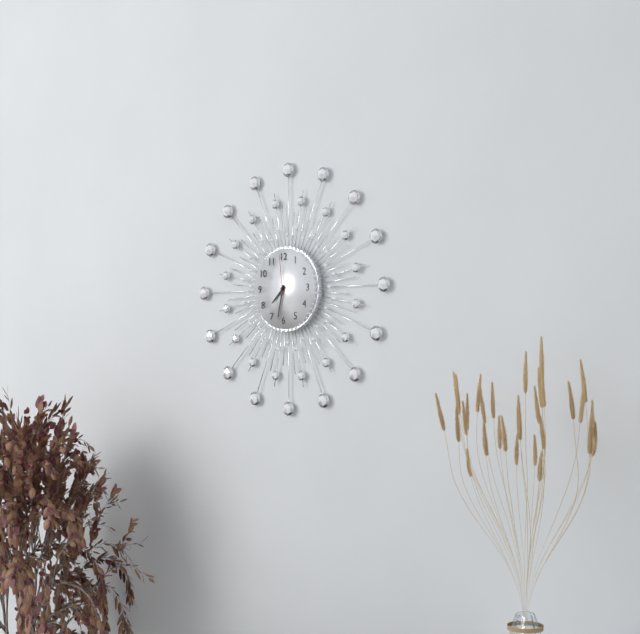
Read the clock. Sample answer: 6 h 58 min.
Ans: 7 h 32 min
